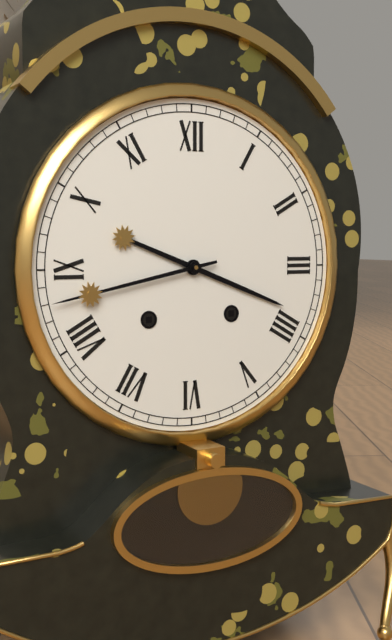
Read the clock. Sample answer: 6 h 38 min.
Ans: 3 h 43 min
